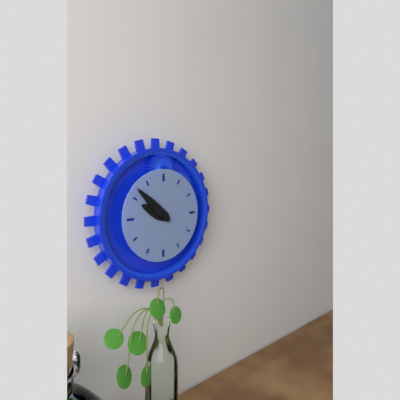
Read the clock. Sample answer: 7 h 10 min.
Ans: 9 h 52 min
